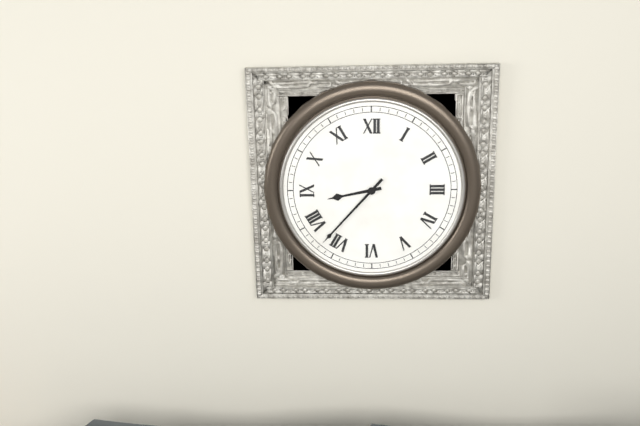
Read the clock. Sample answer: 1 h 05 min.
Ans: 8 h 37 min
